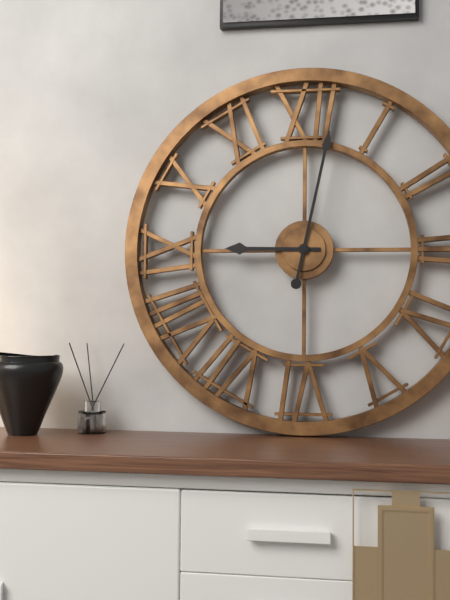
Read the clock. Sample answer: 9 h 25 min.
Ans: 9 h 02 min
